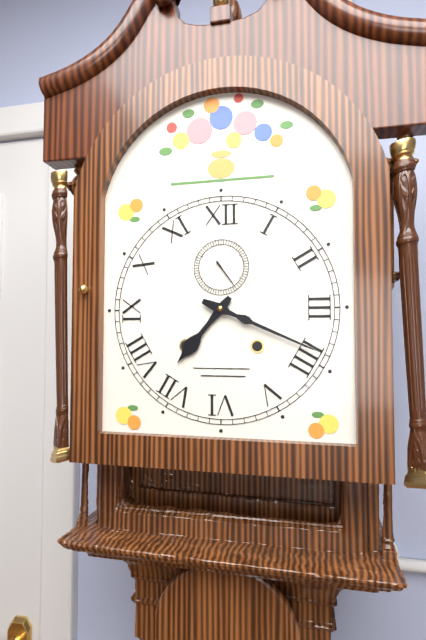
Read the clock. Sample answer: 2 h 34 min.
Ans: 7 h 19 min
